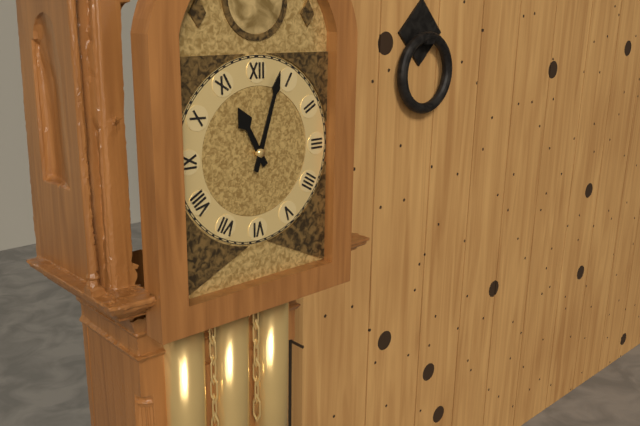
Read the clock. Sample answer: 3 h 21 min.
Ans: 11 h 03 min
